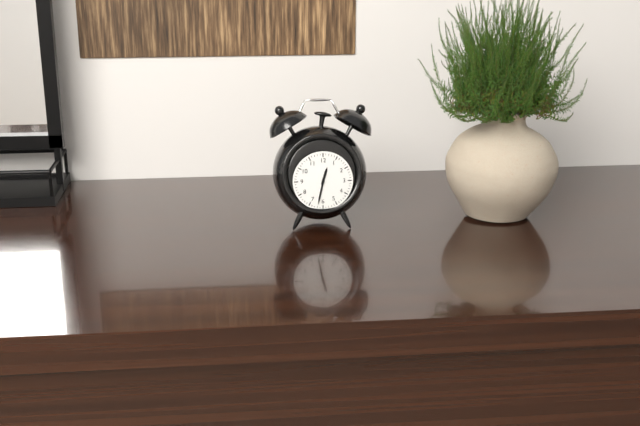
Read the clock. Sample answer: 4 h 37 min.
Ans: 12 h 32 min
